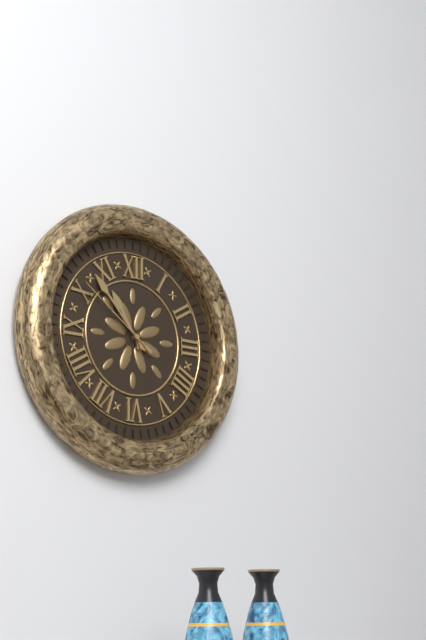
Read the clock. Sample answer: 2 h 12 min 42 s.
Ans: 10 h 53 min 51 s
